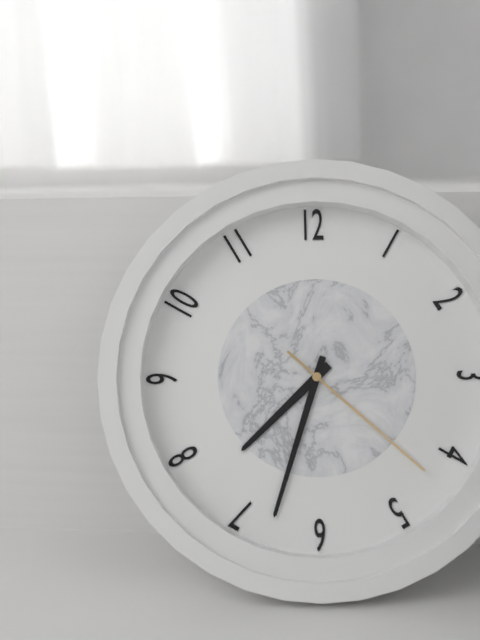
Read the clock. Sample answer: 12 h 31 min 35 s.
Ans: 7 h 33 min 22 s
